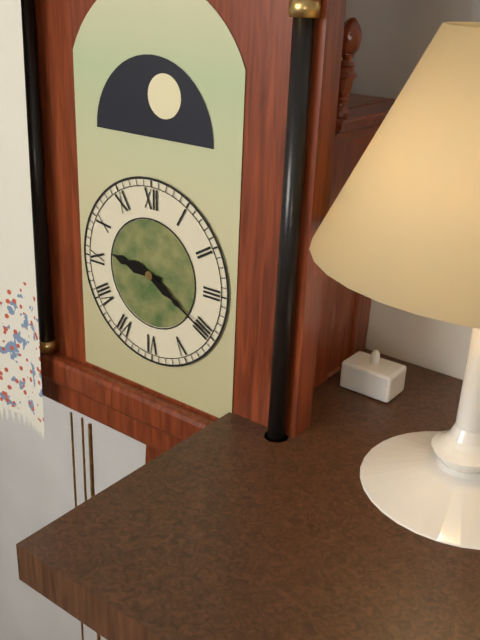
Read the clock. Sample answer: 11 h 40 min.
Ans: 9 h 20 min
